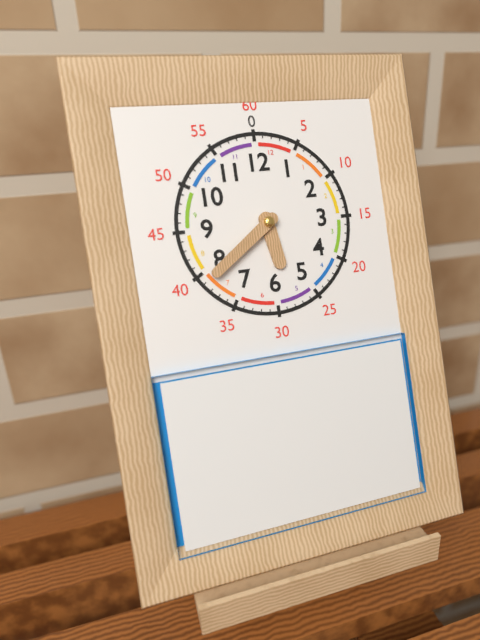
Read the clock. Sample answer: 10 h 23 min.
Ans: 5 h 39 min
